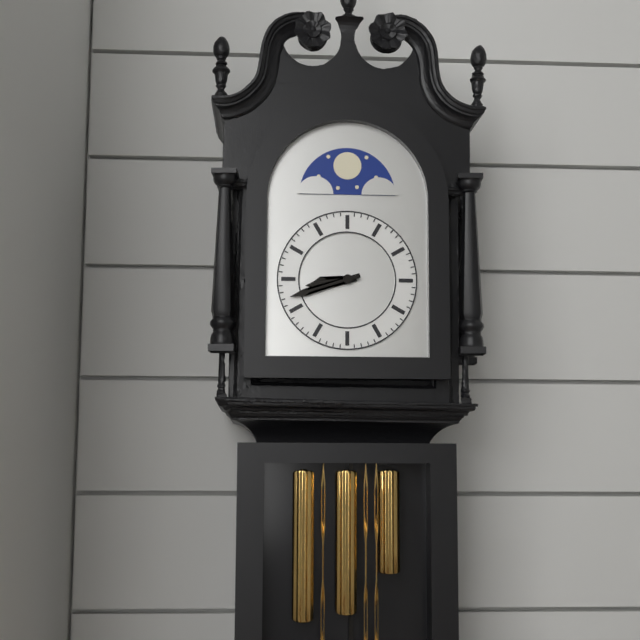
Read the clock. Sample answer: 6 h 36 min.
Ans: 8 h 42 min
